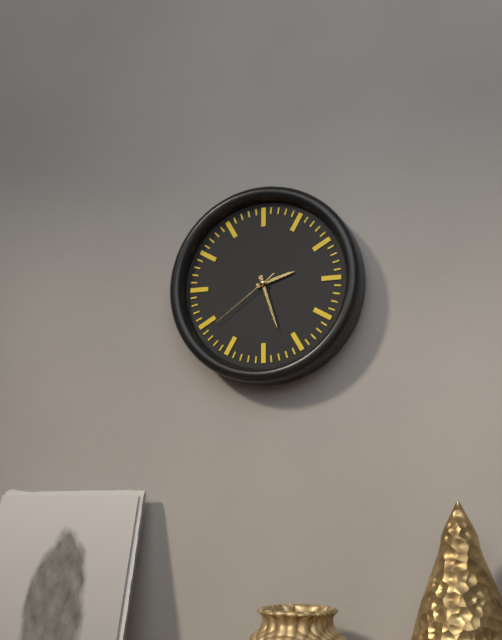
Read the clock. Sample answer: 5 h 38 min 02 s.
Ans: 2 h 27 min 39 s
